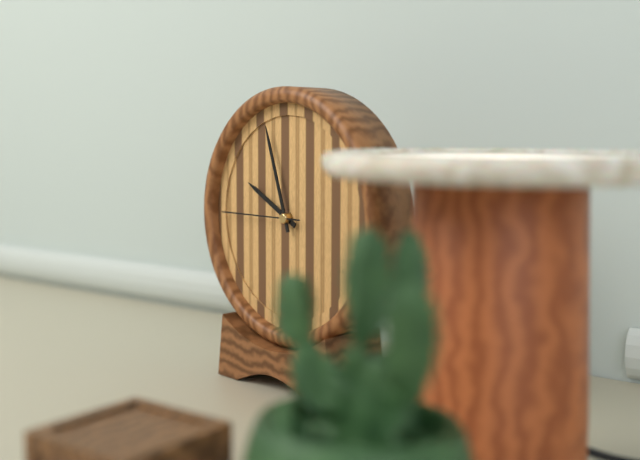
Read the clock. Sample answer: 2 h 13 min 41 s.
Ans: 9 h 57 min 45 s
